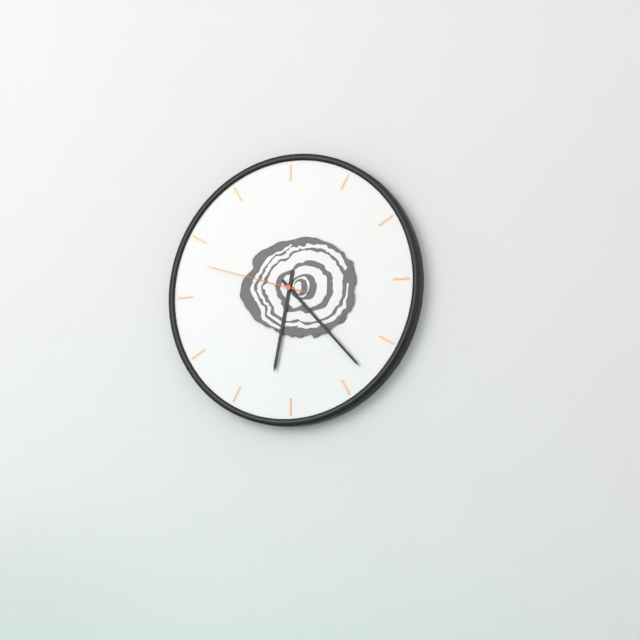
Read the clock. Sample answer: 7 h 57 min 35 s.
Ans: 6 h 23 min 48 s
